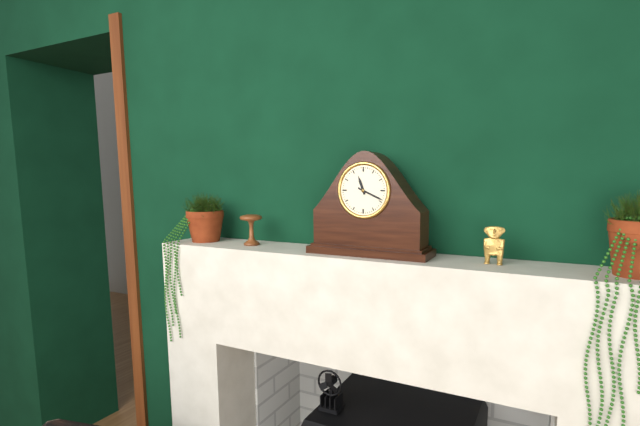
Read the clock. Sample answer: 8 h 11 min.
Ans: 11 h 19 min
